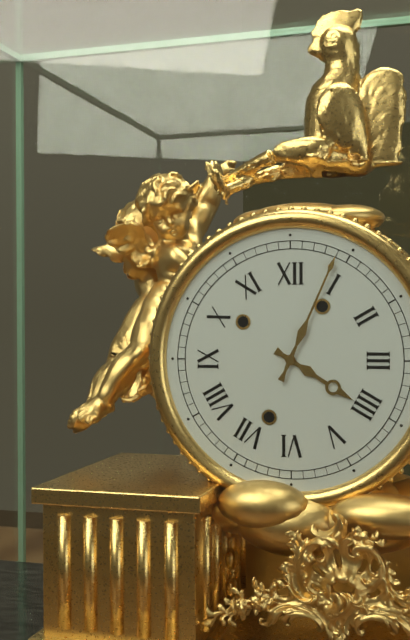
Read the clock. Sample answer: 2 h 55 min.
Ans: 4 h 04 min
